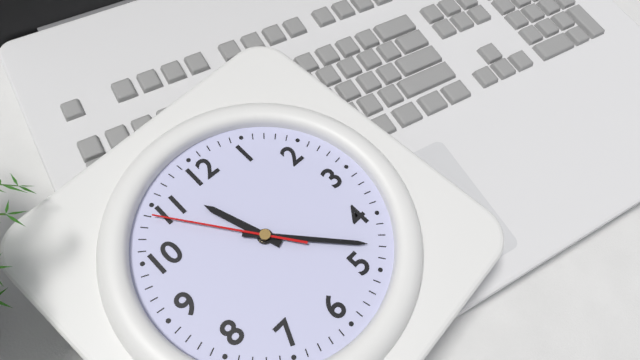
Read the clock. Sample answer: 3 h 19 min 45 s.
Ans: 11 h 23 min 54 s
